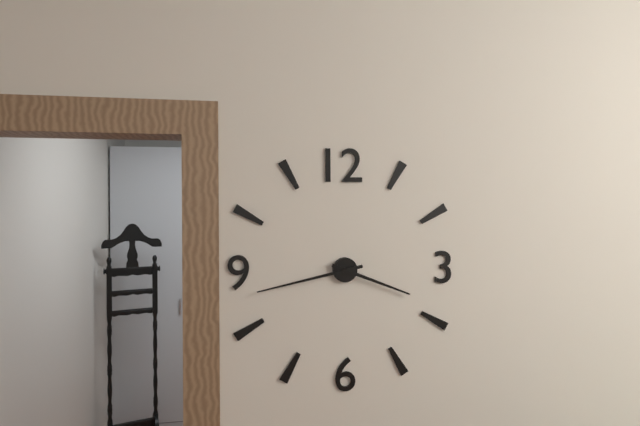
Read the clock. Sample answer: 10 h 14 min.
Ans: 3 h 43 min
